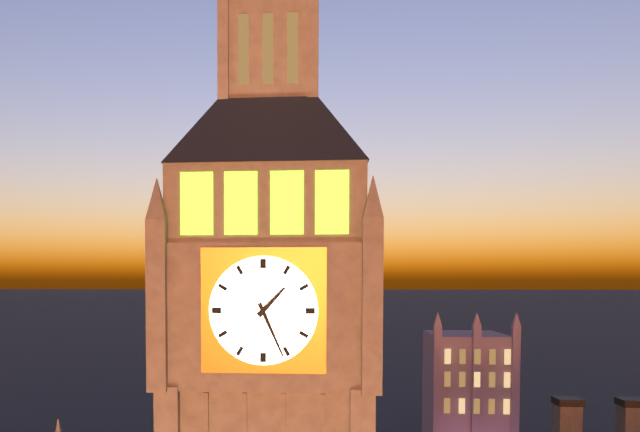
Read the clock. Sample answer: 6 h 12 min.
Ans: 1 h 26 min
